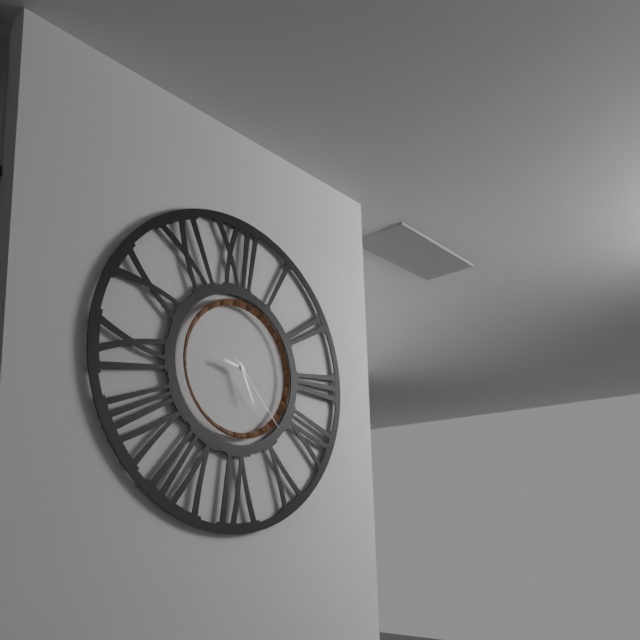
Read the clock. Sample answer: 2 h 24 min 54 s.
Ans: 9 h 26 min 23 s
